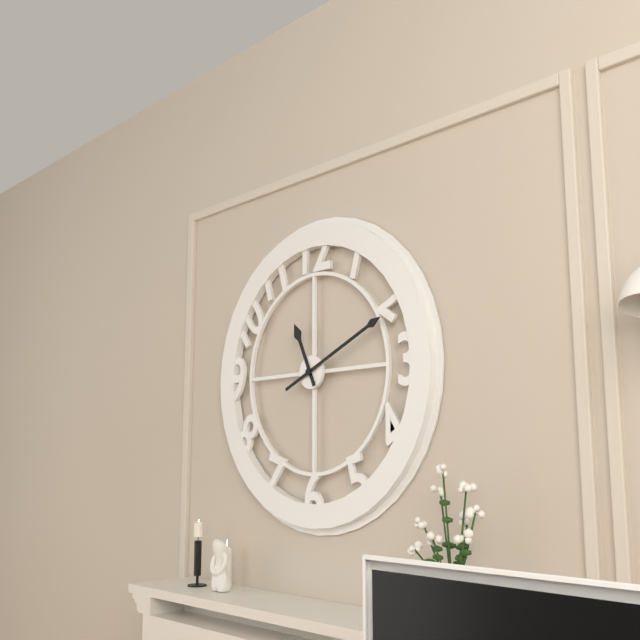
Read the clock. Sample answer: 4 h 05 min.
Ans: 11 h 11 min
